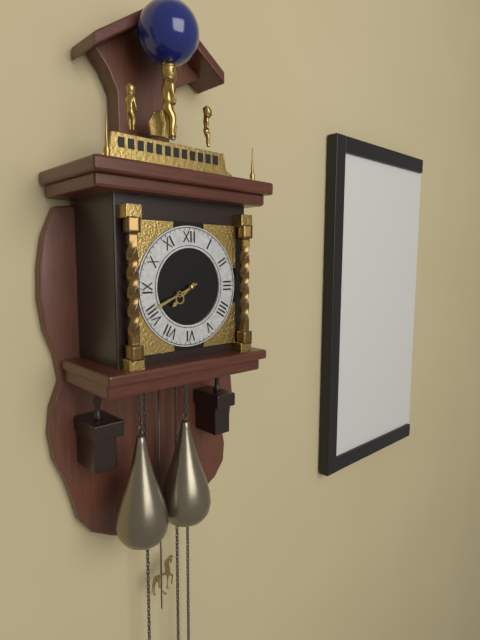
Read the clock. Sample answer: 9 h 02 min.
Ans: 7 h 41 min
